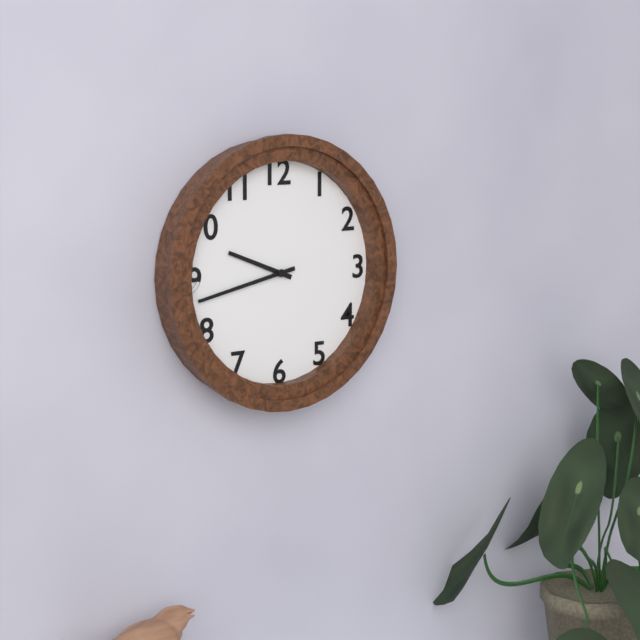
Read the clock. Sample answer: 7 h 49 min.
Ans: 9 h 43 min
